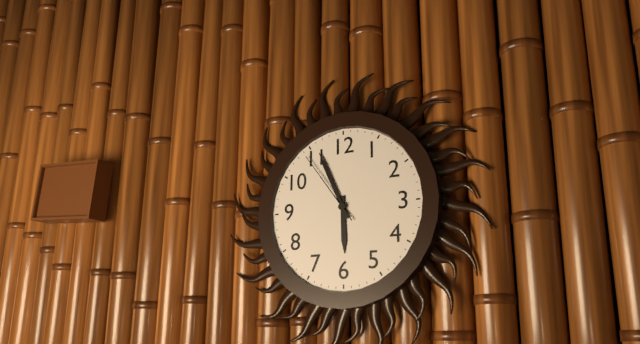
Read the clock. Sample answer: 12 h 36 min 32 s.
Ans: 5 h 56 min 54 s
